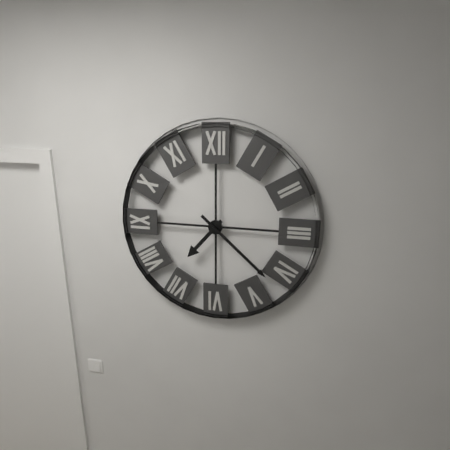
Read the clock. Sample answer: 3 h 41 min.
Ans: 7 h 22 min
